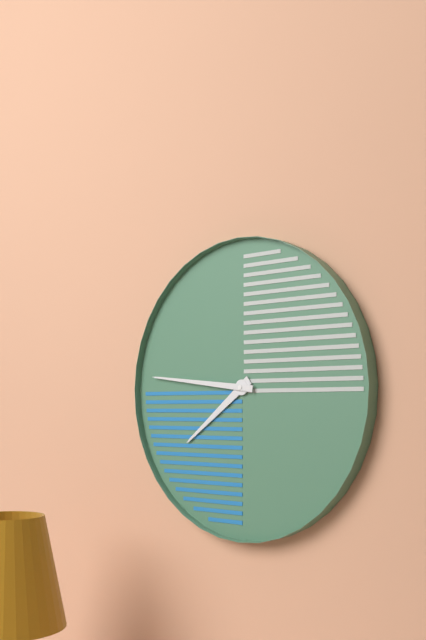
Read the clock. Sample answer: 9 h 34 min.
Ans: 7 h 46 min
